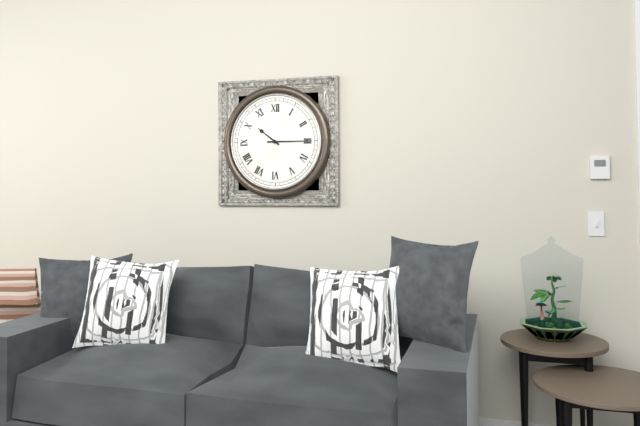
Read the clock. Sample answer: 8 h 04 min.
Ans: 10 h 15 min
